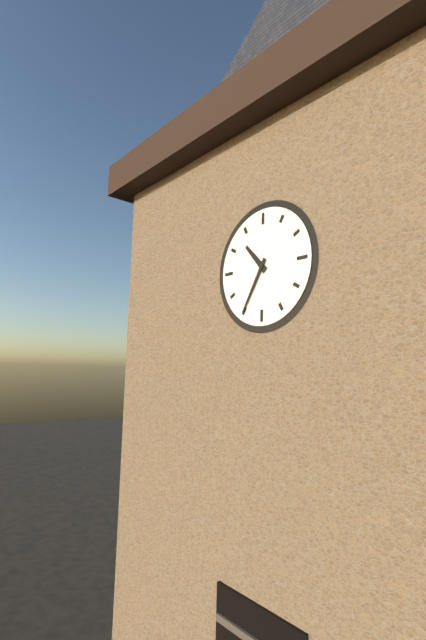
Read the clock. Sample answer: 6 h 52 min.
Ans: 10 h 35 min
